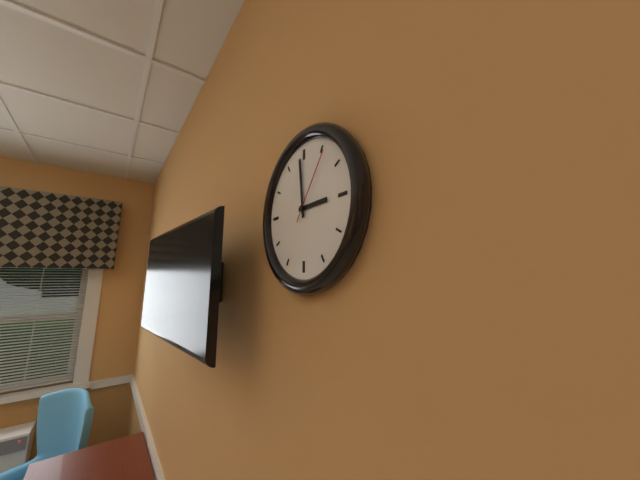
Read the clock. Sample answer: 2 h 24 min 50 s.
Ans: 2 h 59 min 06 s
